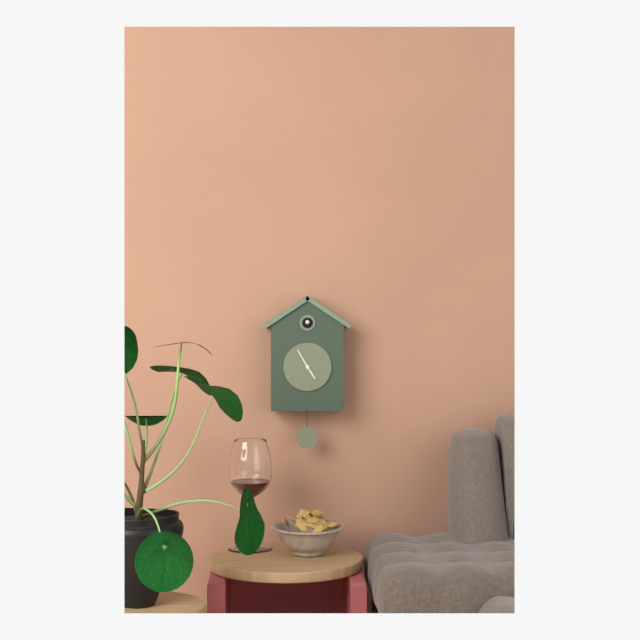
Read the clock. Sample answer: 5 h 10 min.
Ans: 4 h 55 min
